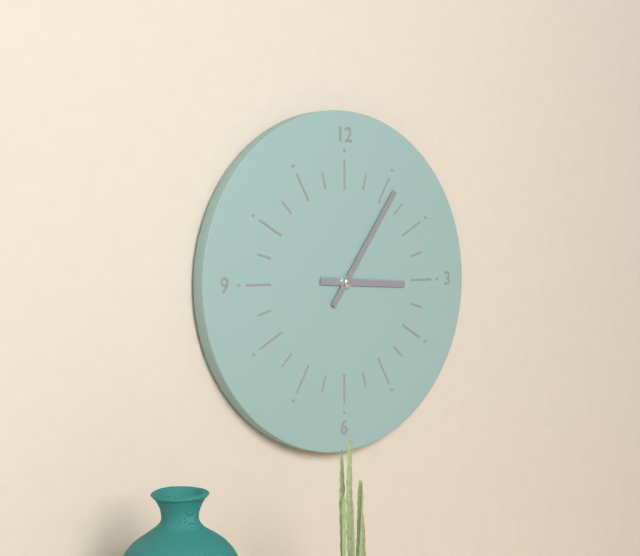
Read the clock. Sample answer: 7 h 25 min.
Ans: 3 h 06 min
